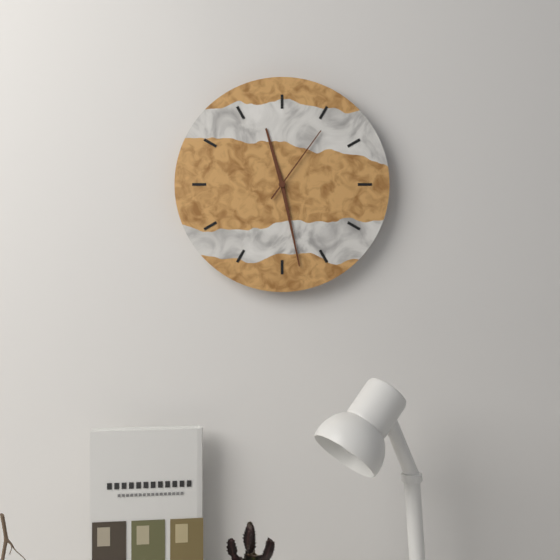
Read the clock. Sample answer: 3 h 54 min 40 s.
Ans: 11 h 28 min 06 s
